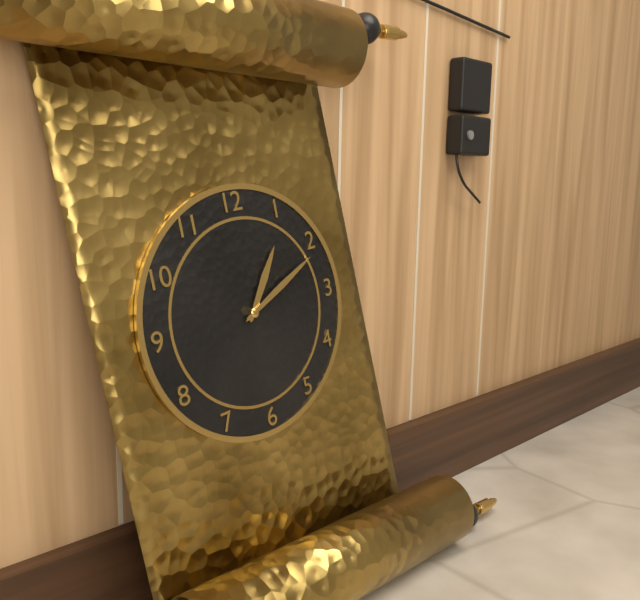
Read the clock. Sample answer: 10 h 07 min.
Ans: 1 h 11 min
